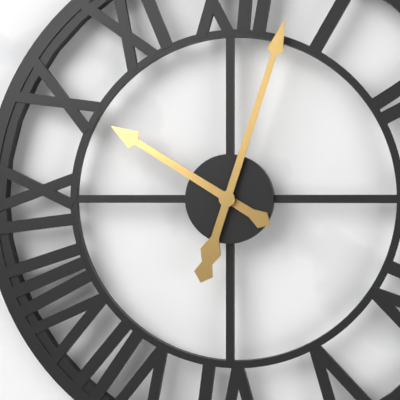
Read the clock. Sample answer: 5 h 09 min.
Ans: 10 h 03 min
